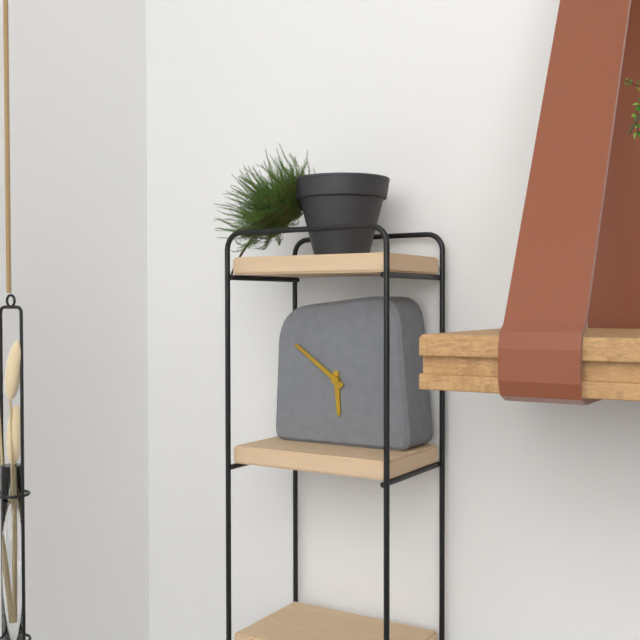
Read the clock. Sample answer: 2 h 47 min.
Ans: 5 h 51 min
